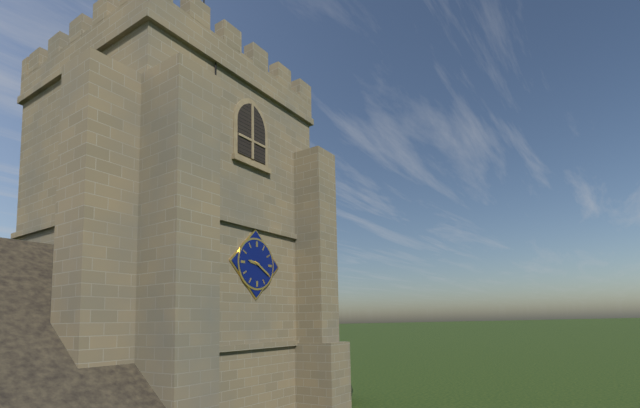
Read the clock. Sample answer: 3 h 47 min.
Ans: 9 h 20 min
